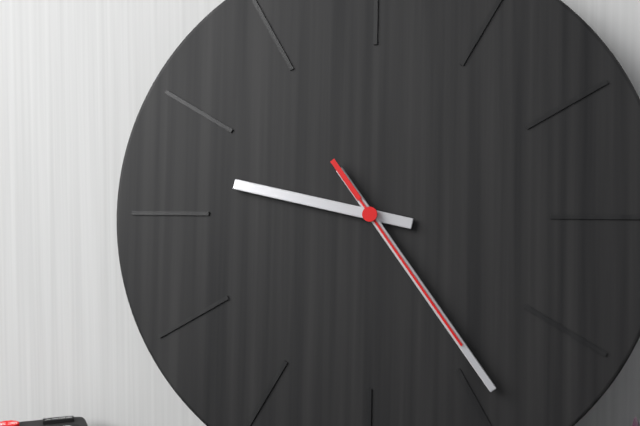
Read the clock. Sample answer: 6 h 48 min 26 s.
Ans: 9 h 24 min 24 s
